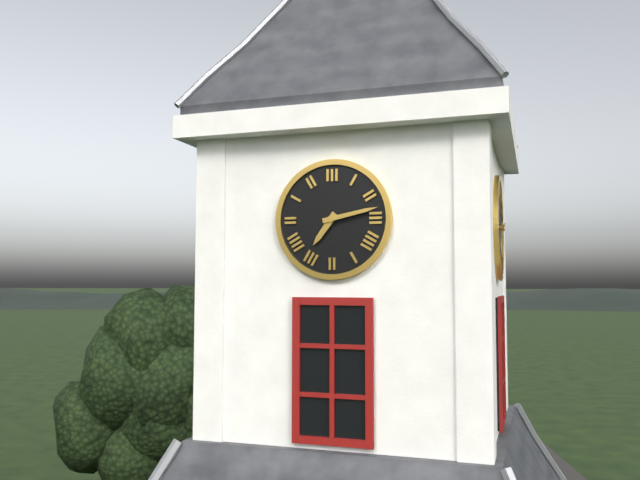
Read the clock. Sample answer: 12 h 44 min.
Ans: 7 h 13 min
